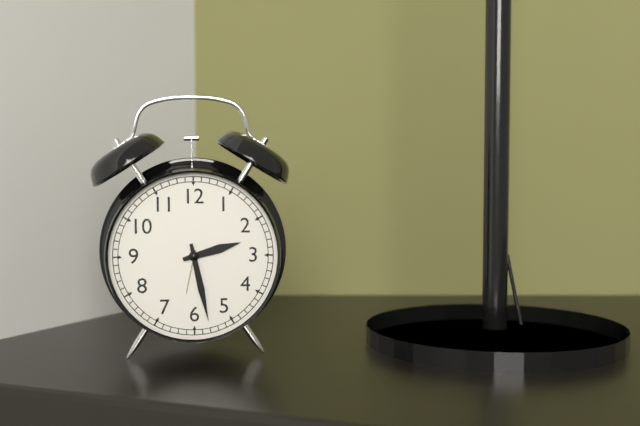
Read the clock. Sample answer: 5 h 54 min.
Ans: 2 h 28 min
